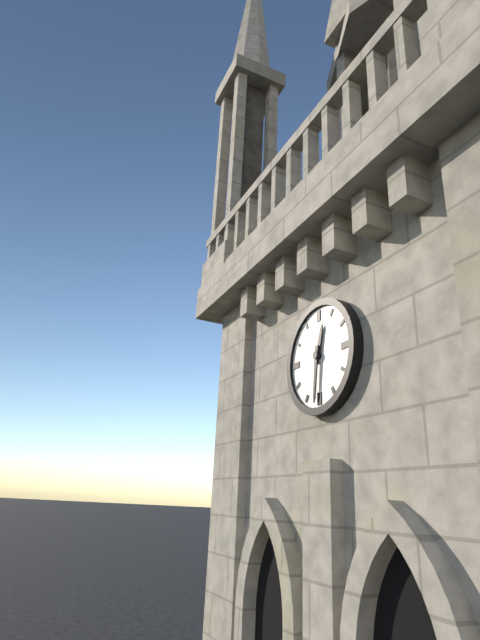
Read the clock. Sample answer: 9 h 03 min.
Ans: 12 h 31 min
